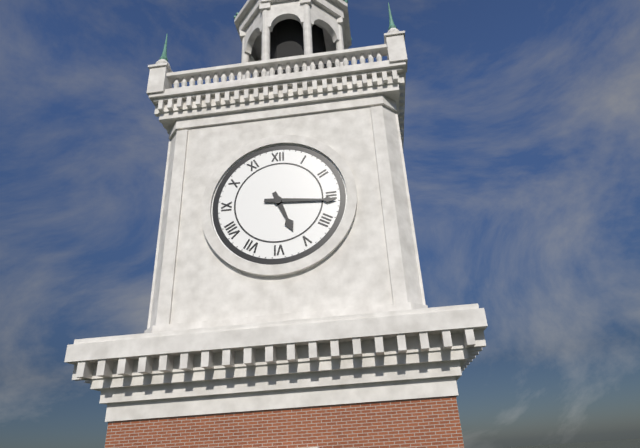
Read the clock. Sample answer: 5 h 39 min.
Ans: 5 h 16 min
